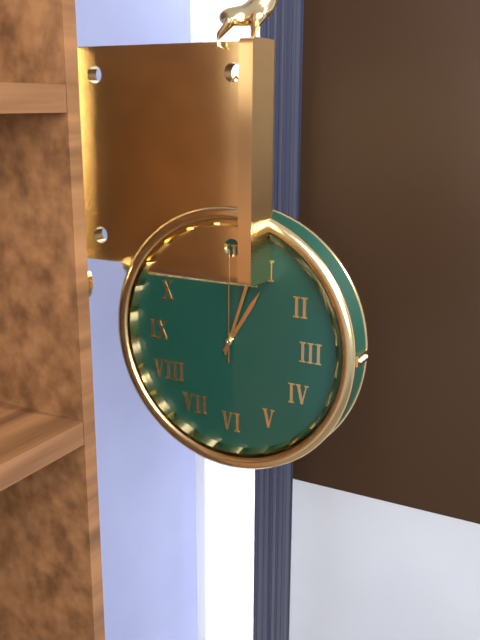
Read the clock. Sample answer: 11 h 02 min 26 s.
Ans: 1 h 03 min 00 s
